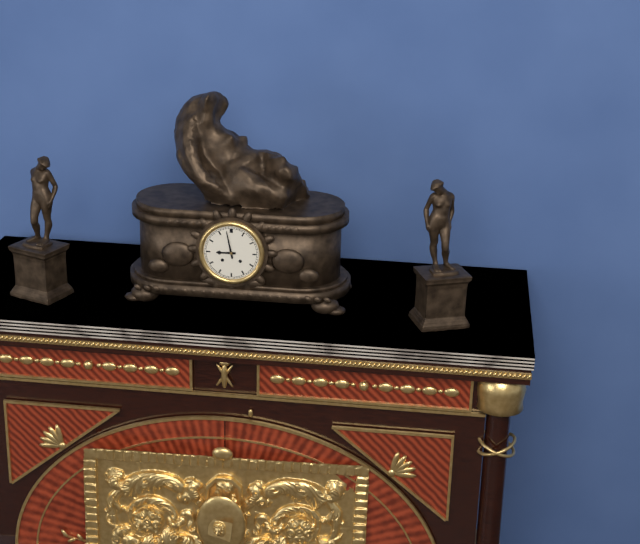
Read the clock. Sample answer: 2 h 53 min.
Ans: 8 h 58 min
